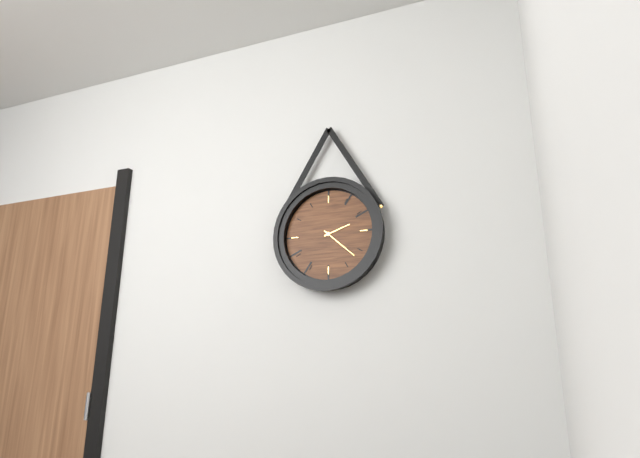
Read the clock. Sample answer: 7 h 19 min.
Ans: 2 h 22 min
